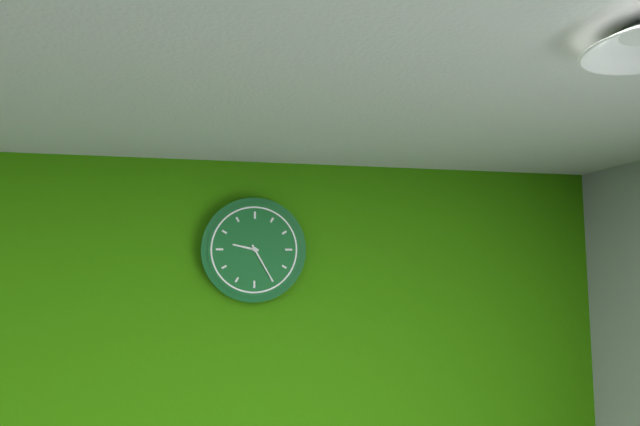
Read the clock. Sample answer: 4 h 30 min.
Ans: 9 h 25 min
